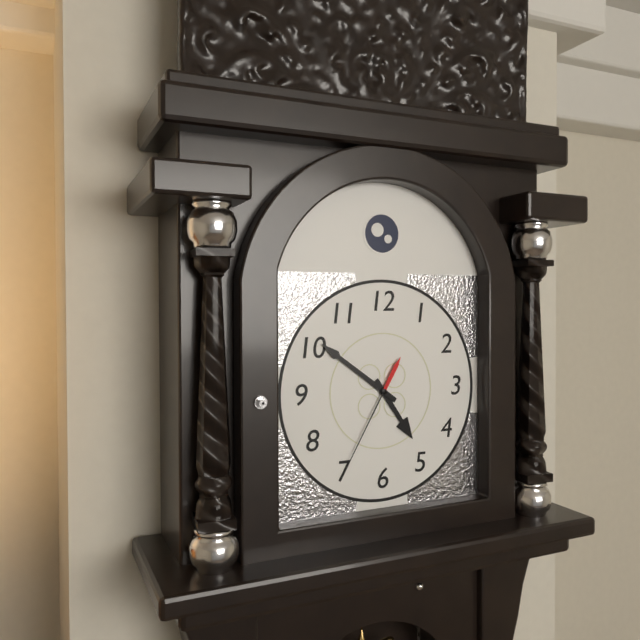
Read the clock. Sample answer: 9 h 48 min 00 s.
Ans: 4 h 51 min 35 s
